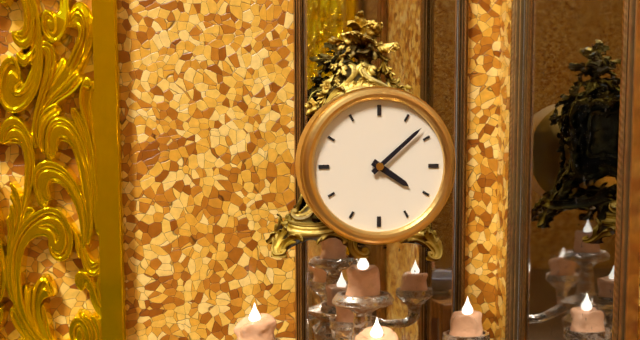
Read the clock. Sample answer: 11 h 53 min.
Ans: 4 h 08 min
